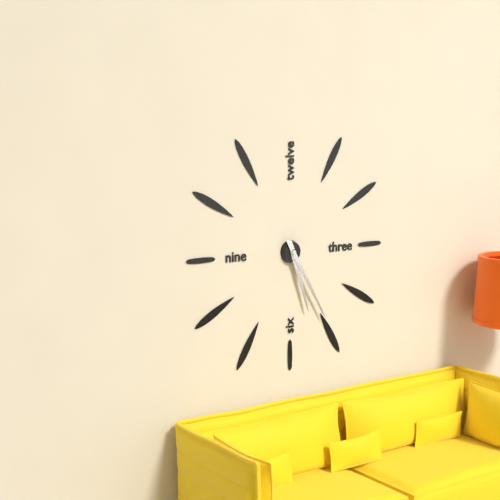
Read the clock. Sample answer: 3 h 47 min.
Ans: 5 h 25 min
